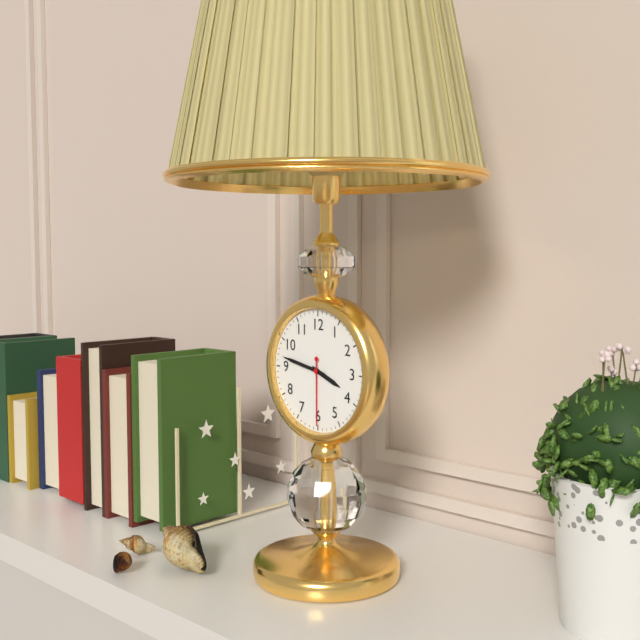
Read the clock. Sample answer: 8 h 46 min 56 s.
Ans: 3 h 47 min 30 s
